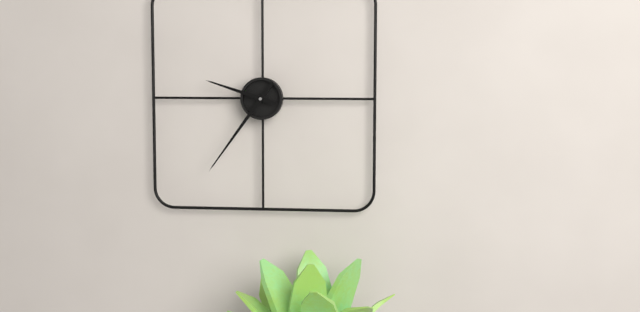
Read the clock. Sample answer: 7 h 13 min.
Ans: 9 h 36 min
